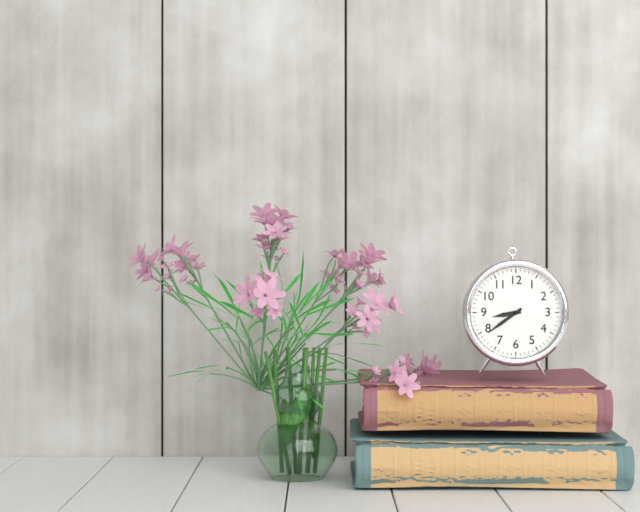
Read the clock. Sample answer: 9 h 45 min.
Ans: 8 h 39 min
